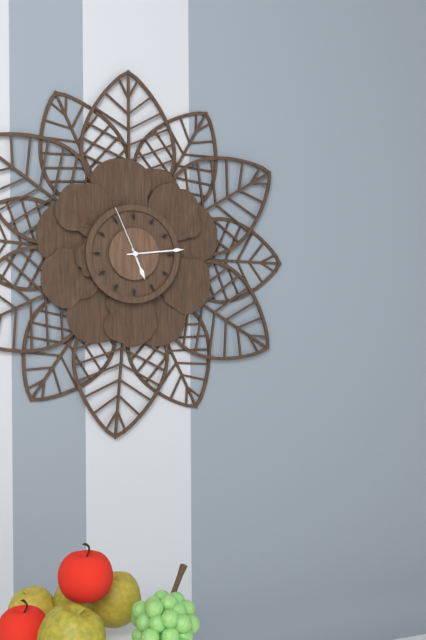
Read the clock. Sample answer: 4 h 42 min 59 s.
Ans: 5 h 14 min 56 s
